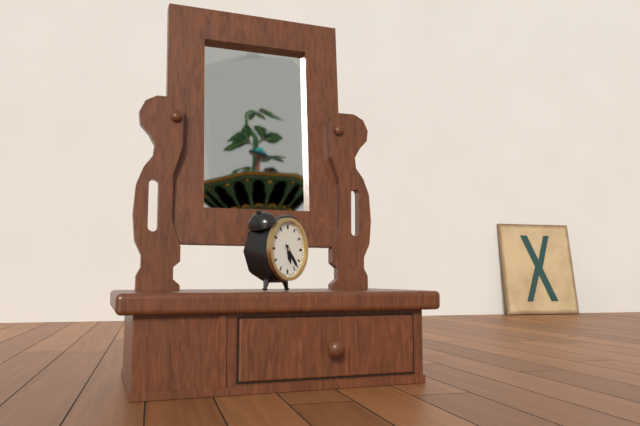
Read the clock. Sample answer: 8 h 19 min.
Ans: 5 h 23 min
